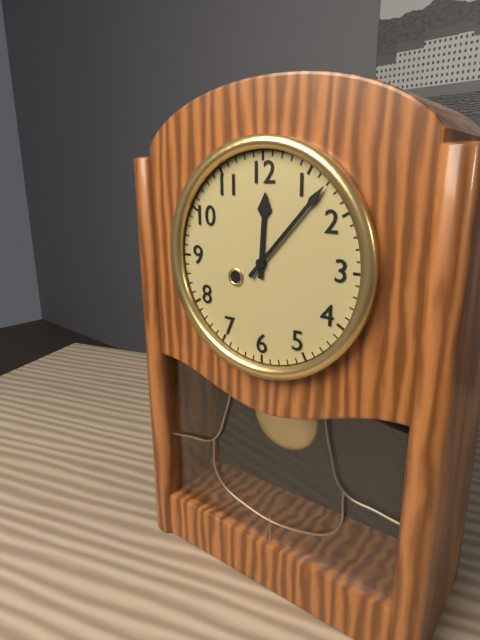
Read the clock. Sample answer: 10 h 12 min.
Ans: 12 h 07 min
